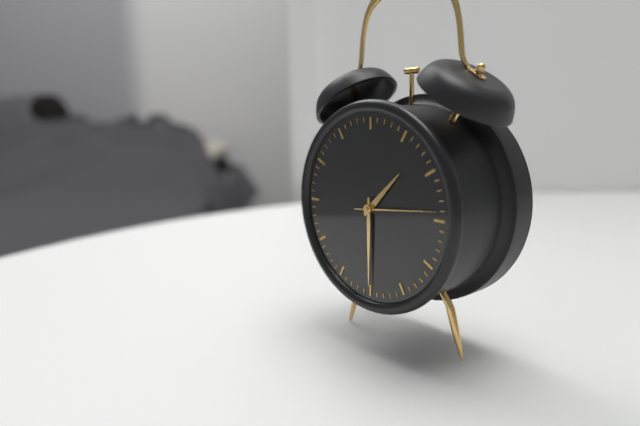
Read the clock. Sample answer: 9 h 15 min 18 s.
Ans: 1 h 30 min 14 s
